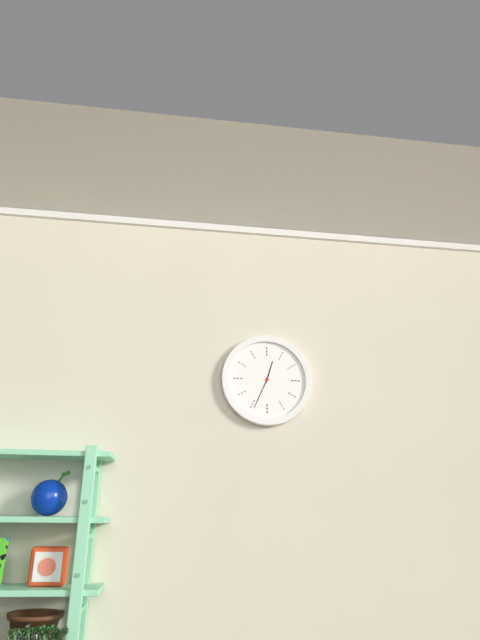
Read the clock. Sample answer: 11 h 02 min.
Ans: 12 h 34 min
